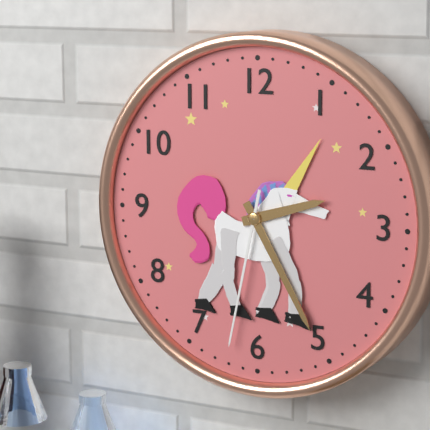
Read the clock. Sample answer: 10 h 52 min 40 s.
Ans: 2 h 25 min 32 s
